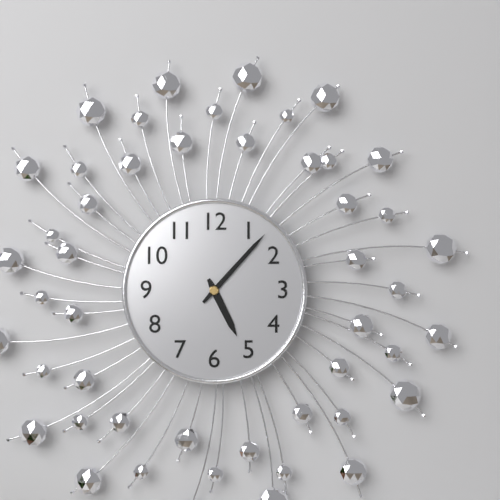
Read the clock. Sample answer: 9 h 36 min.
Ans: 5 h 07 min
